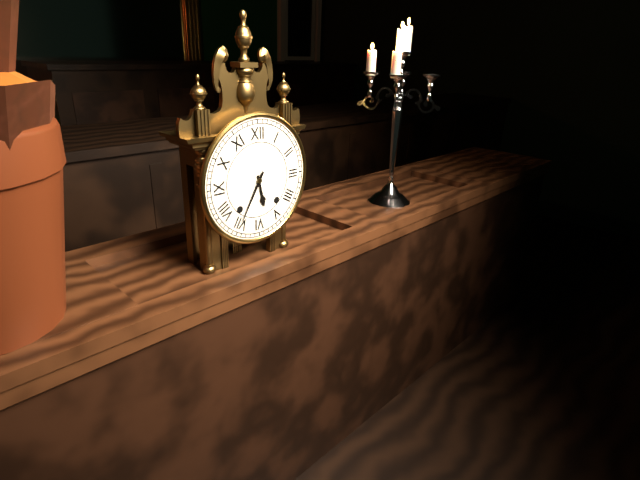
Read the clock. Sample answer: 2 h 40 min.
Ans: 5 h 35 min
